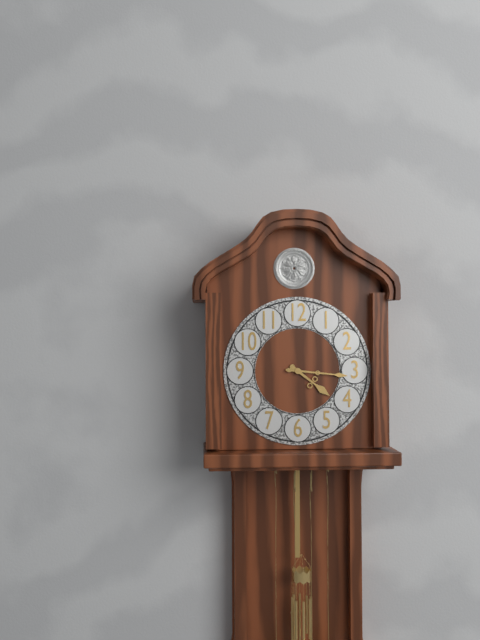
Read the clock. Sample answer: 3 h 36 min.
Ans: 4 h 16 min
